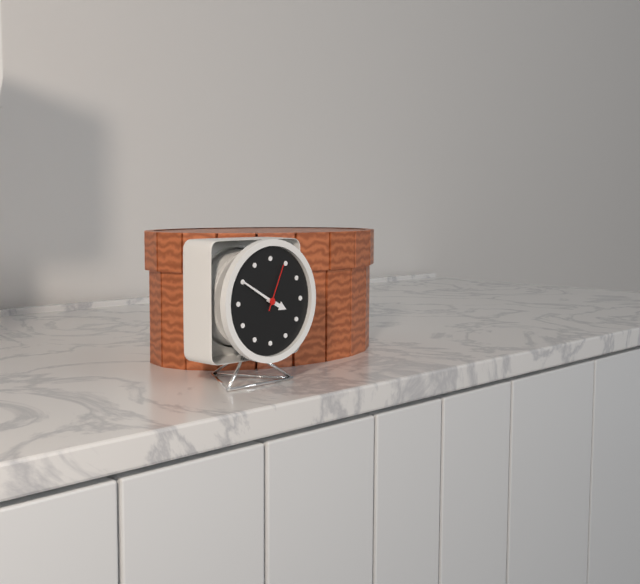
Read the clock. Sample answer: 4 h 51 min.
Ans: 3 h 50 min
